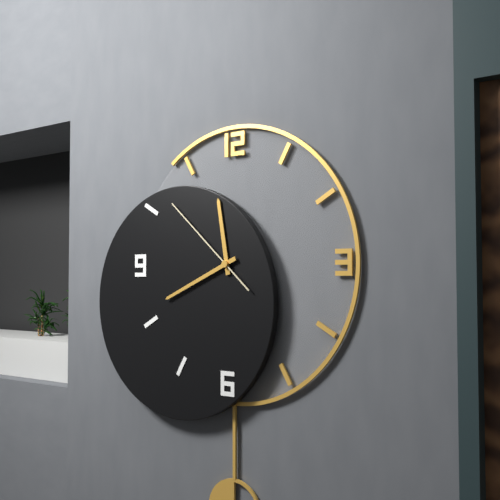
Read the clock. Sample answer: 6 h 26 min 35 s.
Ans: 11 h 41 min 52 s
